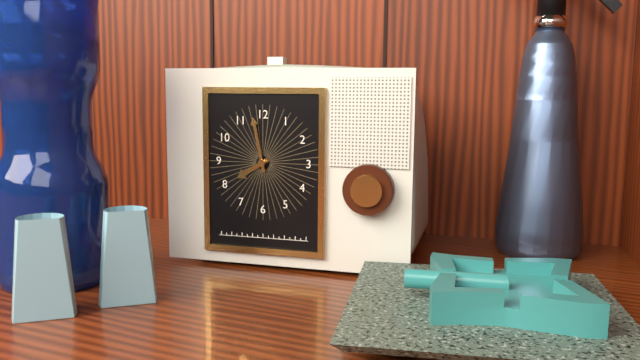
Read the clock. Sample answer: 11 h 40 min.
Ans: 7 h 58 min
